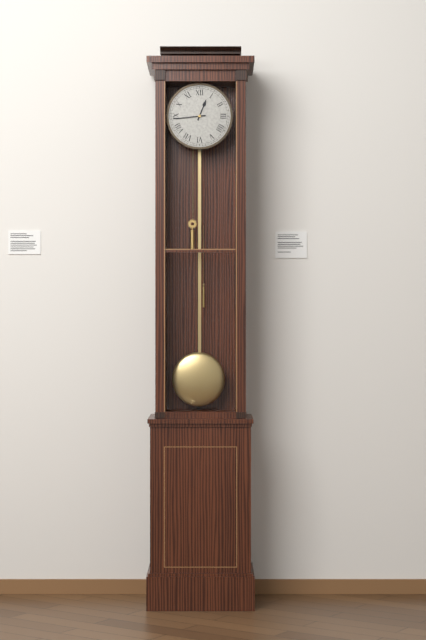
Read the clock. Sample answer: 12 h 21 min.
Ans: 12 h 44 min
